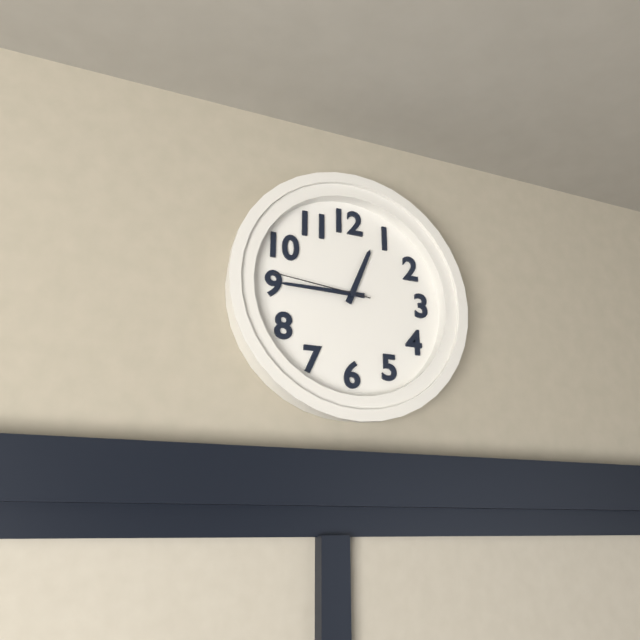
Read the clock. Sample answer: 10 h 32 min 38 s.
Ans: 12 h 45 min 46 s
